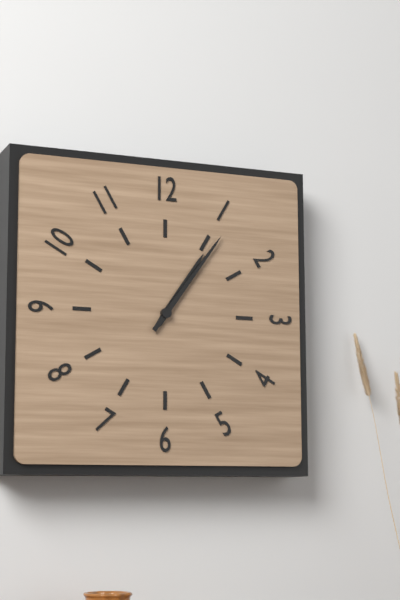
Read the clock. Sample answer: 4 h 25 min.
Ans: 1 h 06 min
